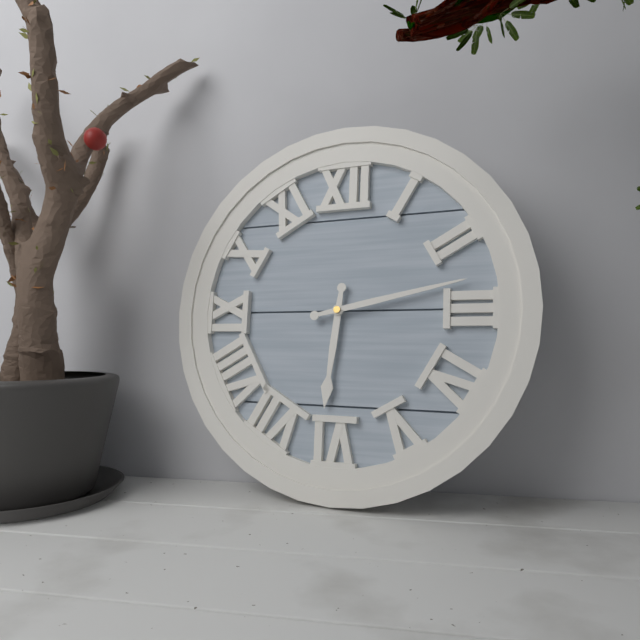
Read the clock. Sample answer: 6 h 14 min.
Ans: 6 h 13 min
